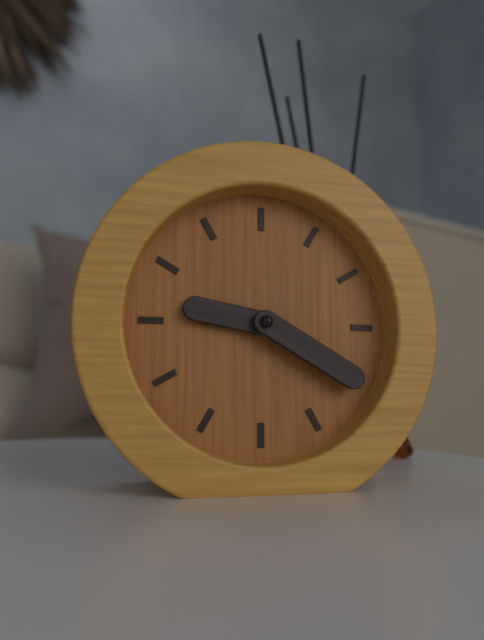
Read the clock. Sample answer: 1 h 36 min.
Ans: 9 h 20 min
